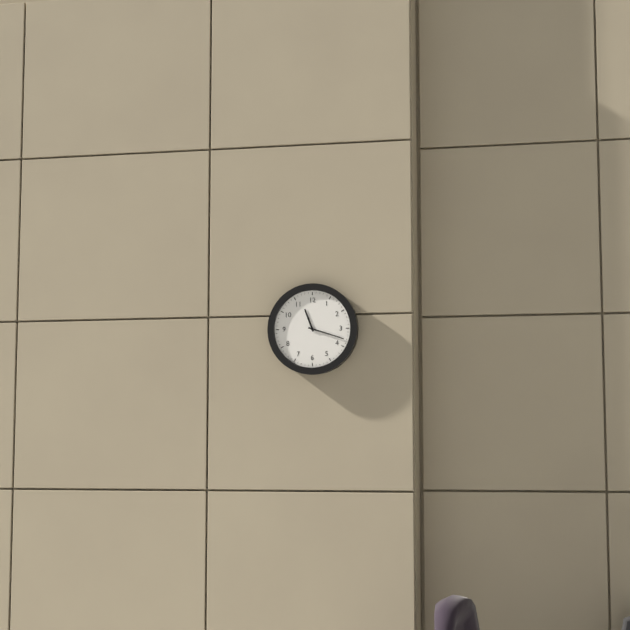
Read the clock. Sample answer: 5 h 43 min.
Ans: 11 h 18 min
